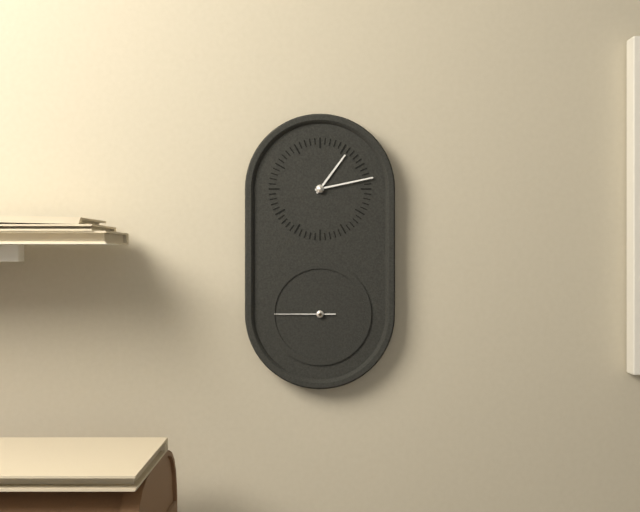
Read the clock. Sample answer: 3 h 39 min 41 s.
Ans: 1 h 13 min 45 s
